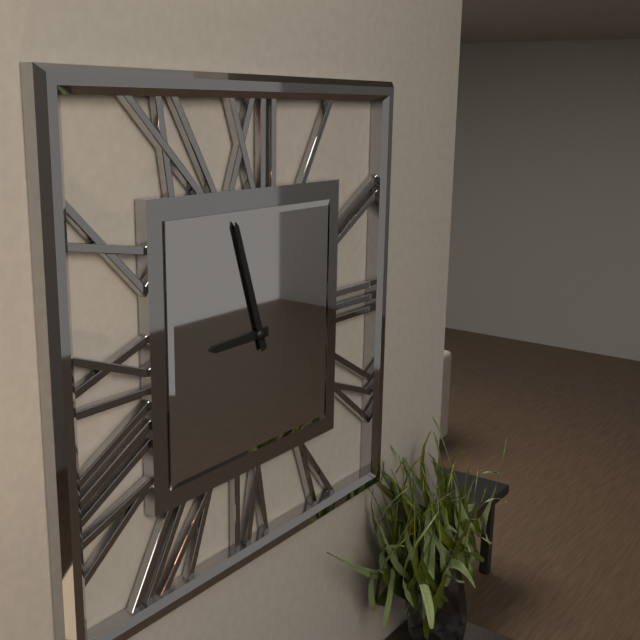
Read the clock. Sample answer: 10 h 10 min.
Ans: 8 h 57 min
